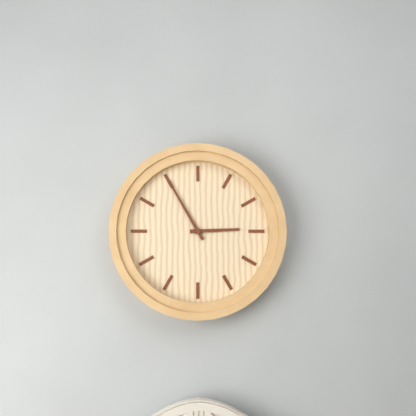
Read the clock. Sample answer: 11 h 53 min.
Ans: 2 h 55 min
